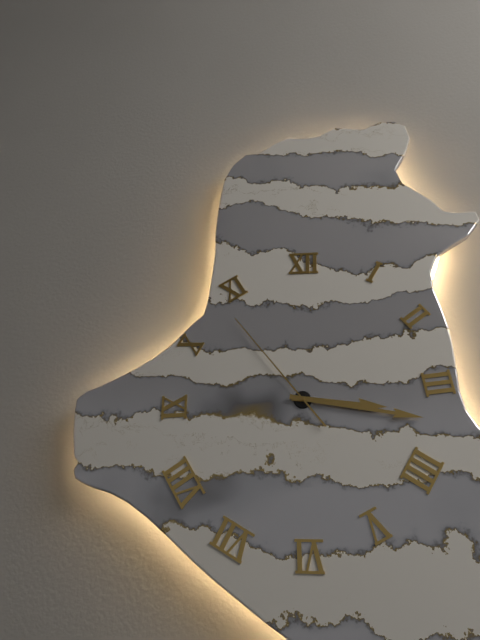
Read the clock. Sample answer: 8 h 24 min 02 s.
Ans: 3 h 17 min 54 s
